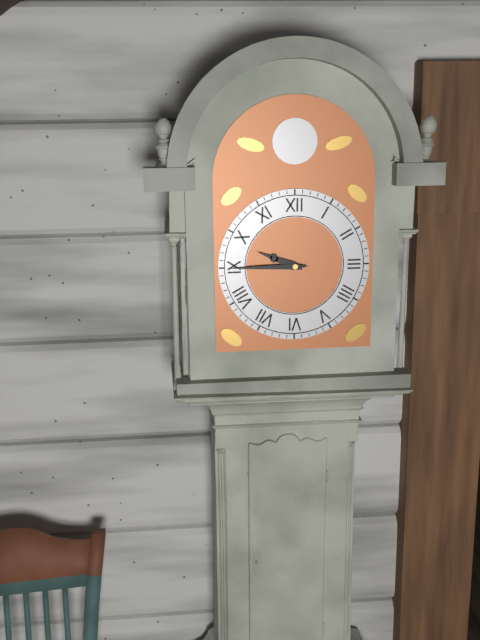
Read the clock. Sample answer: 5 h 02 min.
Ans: 9 h 45 min
